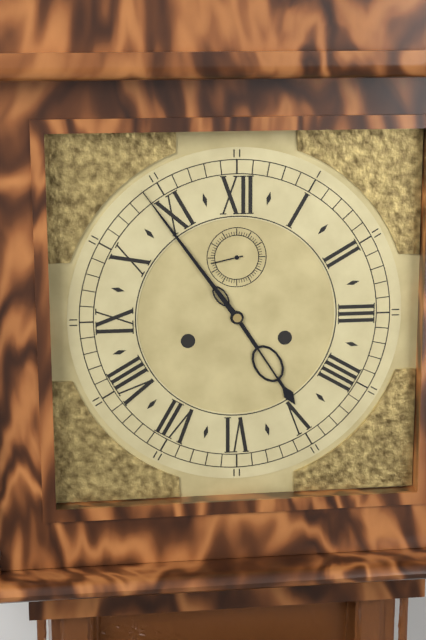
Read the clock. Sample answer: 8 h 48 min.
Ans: 4 h 54 min
